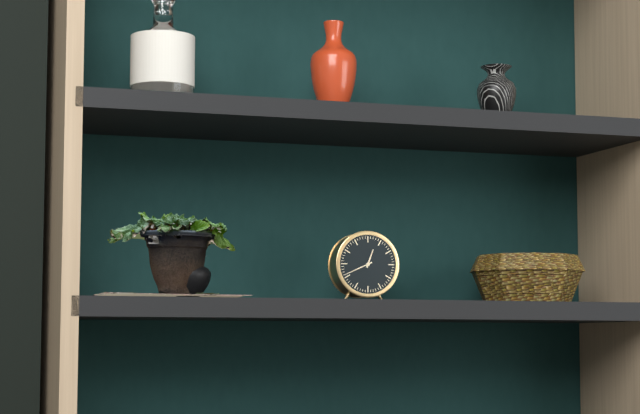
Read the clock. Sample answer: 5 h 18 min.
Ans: 12 h 41 min
